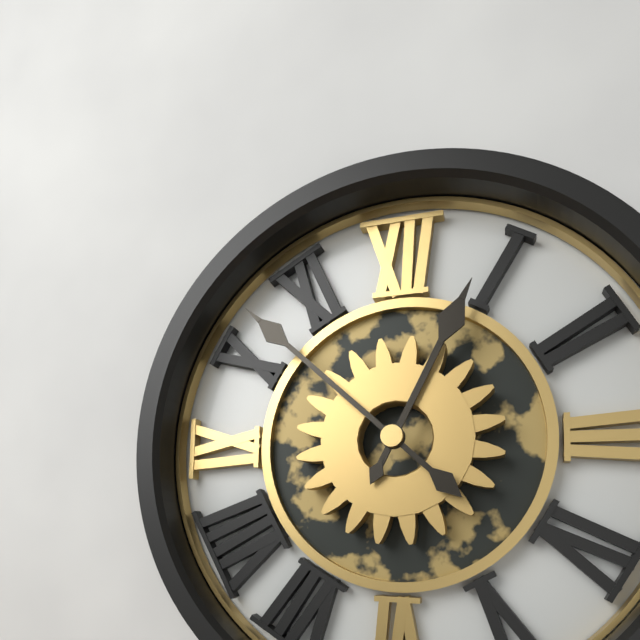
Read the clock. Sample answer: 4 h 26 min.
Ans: 12 h 52 min
